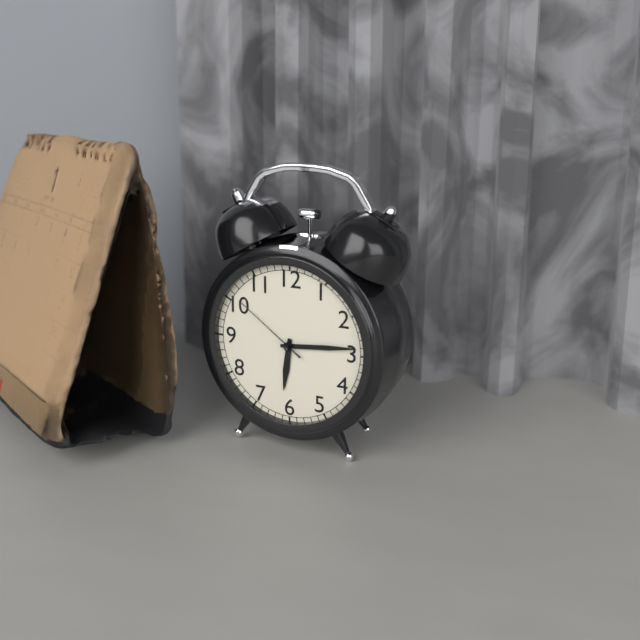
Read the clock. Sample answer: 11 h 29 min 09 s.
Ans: 6 h 14 min 51 s
